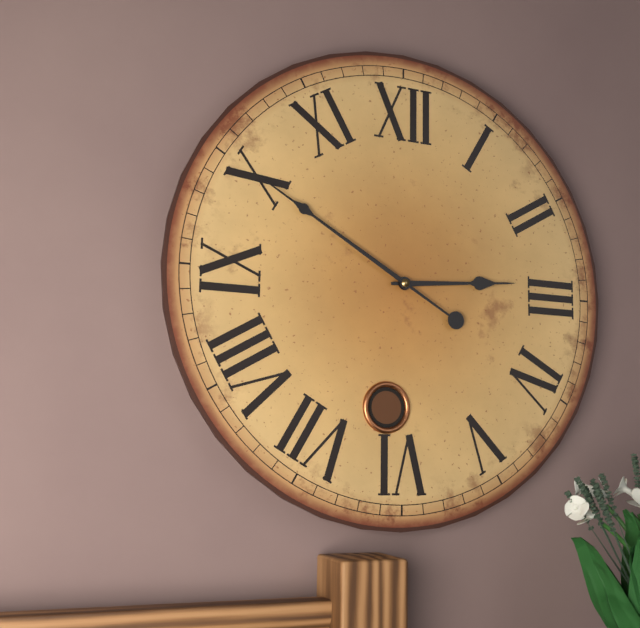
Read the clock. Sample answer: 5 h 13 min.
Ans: 2 h 50 min
